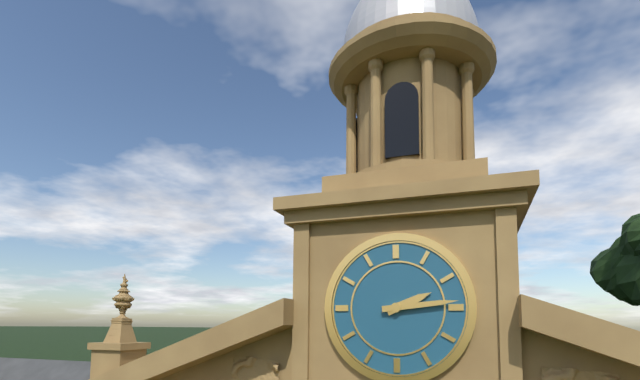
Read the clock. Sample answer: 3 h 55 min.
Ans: 2 h 14 min
